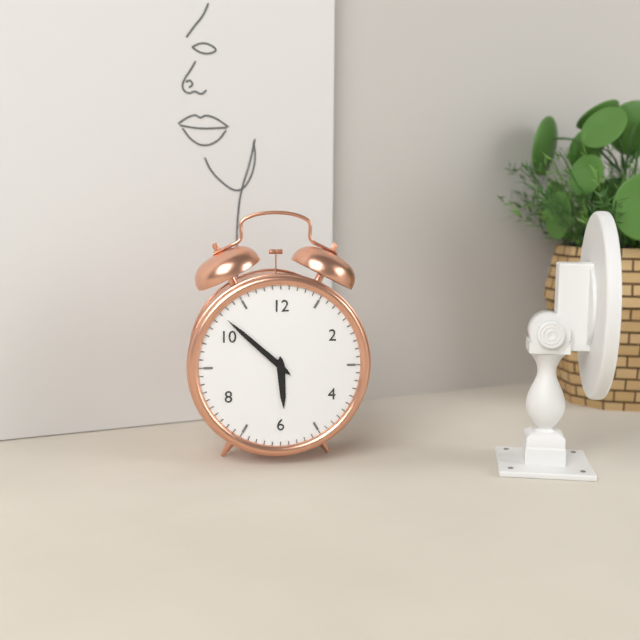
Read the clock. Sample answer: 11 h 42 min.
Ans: 5 h 52 min
